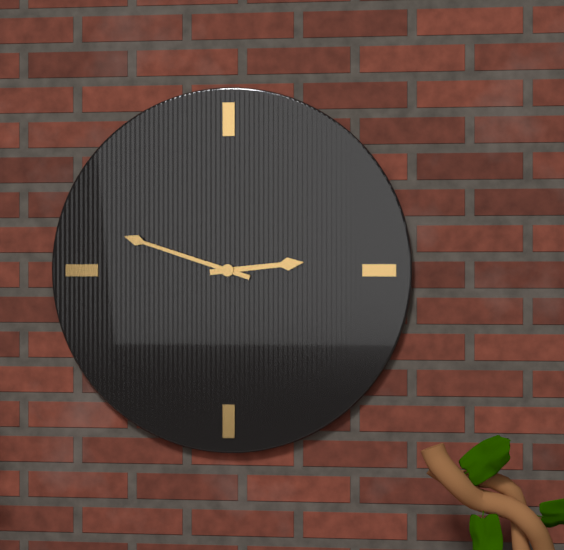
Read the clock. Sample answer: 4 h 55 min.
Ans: 2 h 48 min
